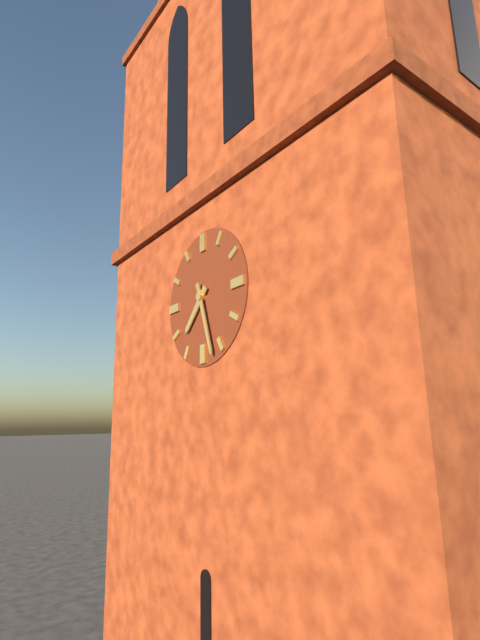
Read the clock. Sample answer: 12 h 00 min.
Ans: 7 h 27 min
